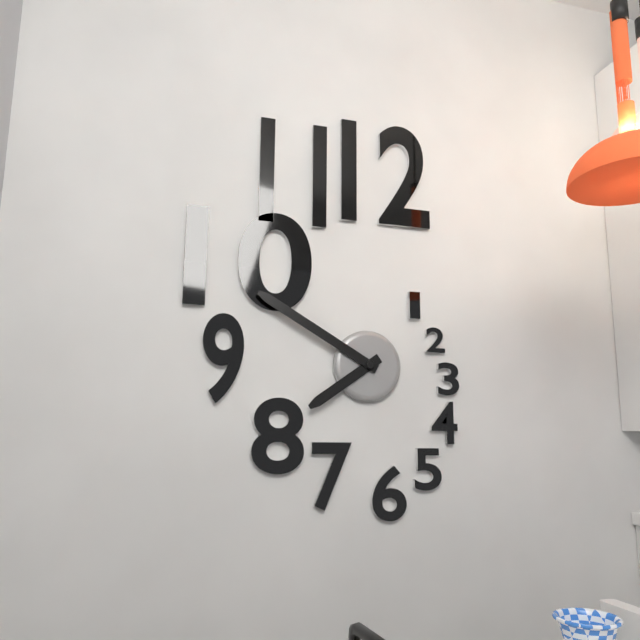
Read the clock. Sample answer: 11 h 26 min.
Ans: 7 h 50 min
